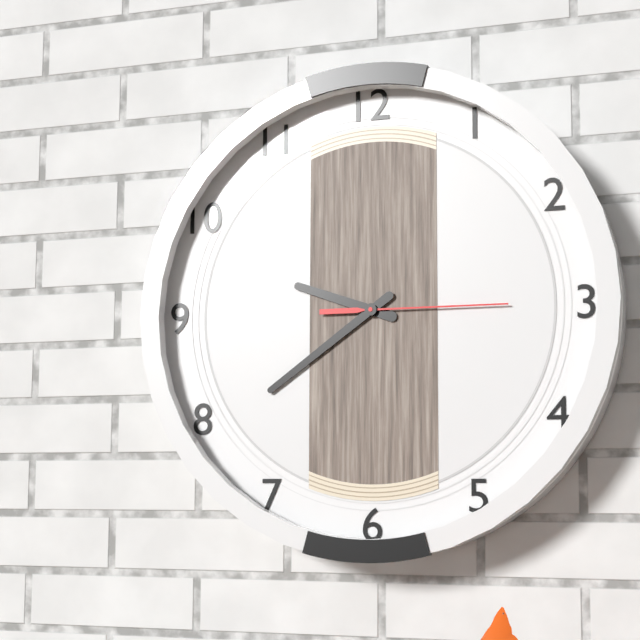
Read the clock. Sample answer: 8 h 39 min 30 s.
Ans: 9 h 39 min 15 s
